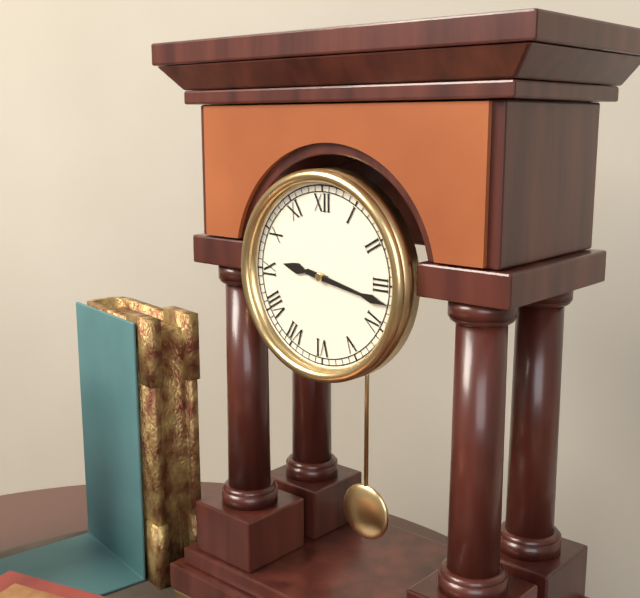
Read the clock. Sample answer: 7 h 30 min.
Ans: 9 h 17 min
